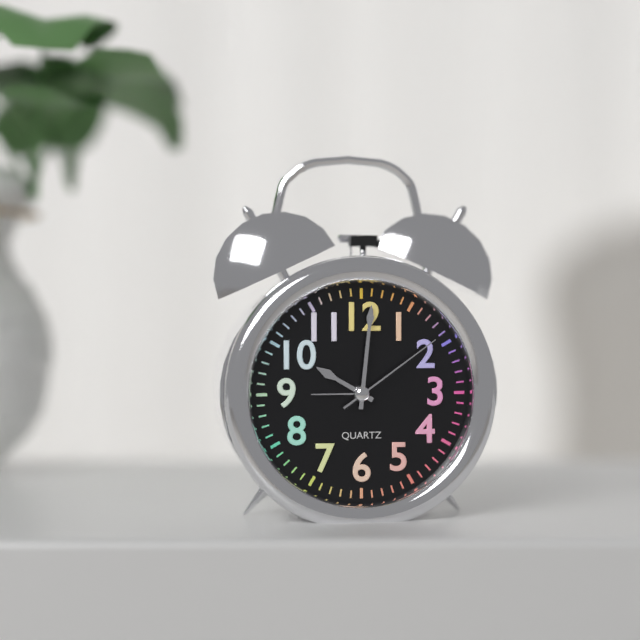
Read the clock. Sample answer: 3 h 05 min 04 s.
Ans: 10 h 01 min 09 s
